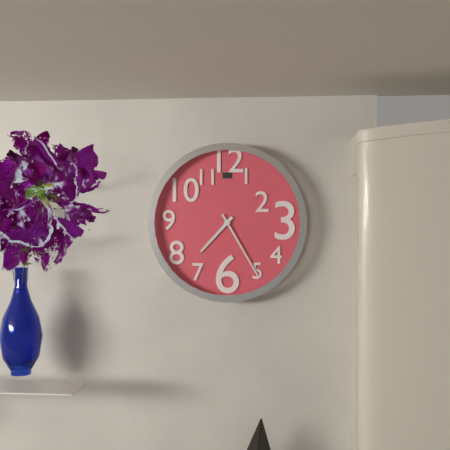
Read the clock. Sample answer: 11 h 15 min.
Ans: 7 h 25 min
